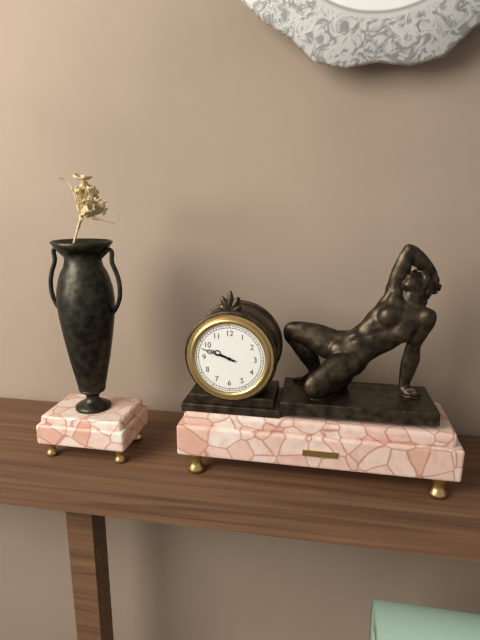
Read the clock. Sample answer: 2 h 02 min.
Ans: 9 h 48 min
